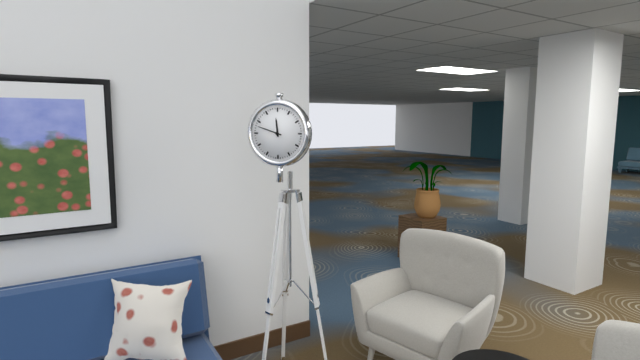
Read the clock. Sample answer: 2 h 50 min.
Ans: 11 h 48 min
